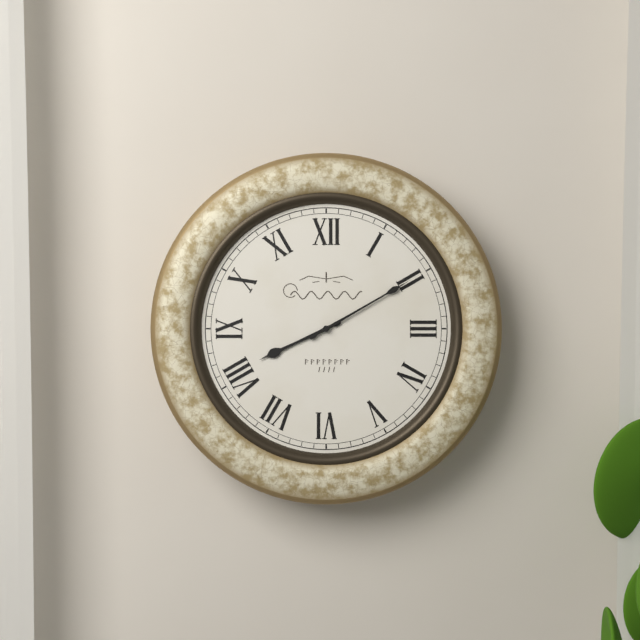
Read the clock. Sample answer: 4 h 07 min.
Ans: 8 h 10 min
